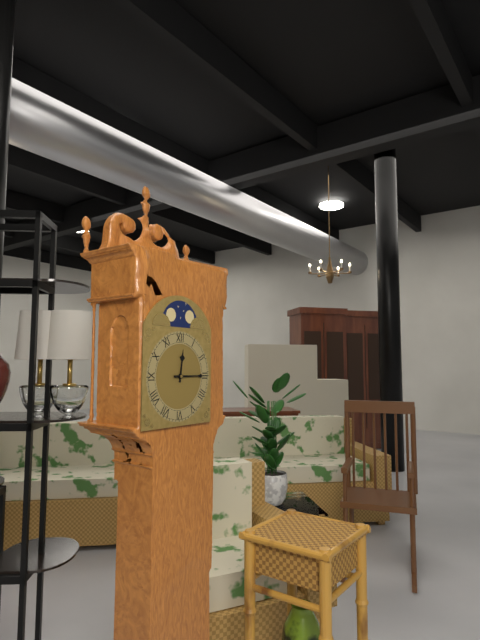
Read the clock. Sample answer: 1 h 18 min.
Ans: 12 h 15 min
